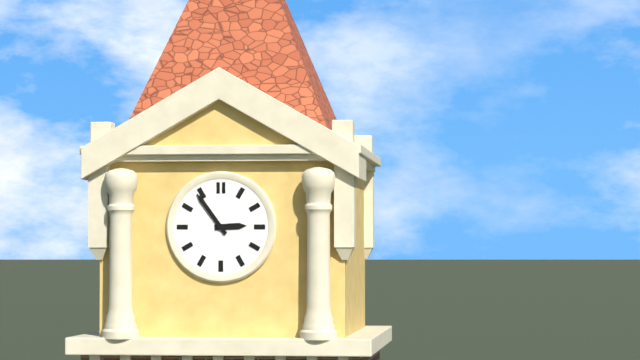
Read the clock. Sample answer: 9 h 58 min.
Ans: 2 h 54 min
